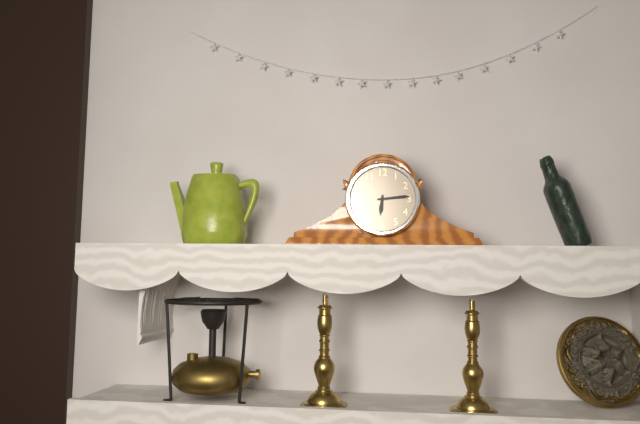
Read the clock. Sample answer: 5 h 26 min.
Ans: 6 h 14 min
